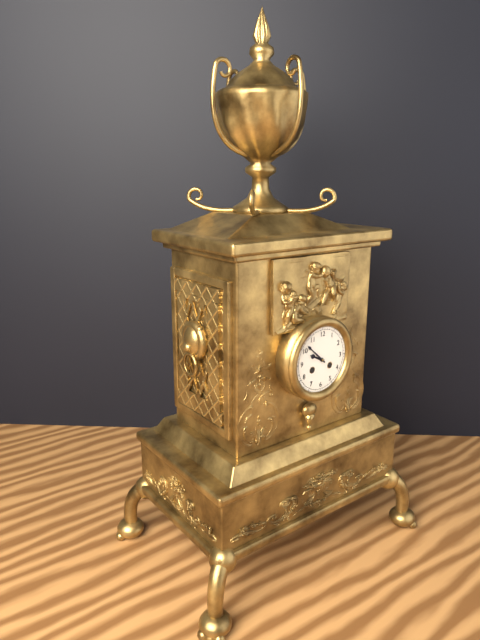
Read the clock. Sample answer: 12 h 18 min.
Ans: 9 h 52 min
